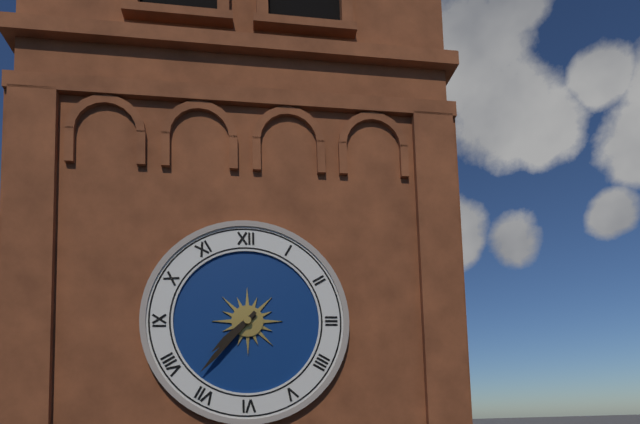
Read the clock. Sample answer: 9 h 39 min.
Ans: 7 h 37 min
